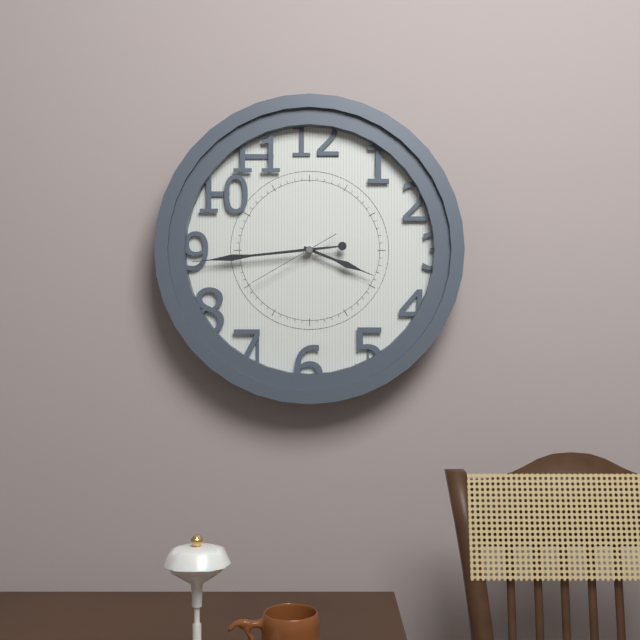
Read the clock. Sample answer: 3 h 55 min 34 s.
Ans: 3 h 44 min 40 s
